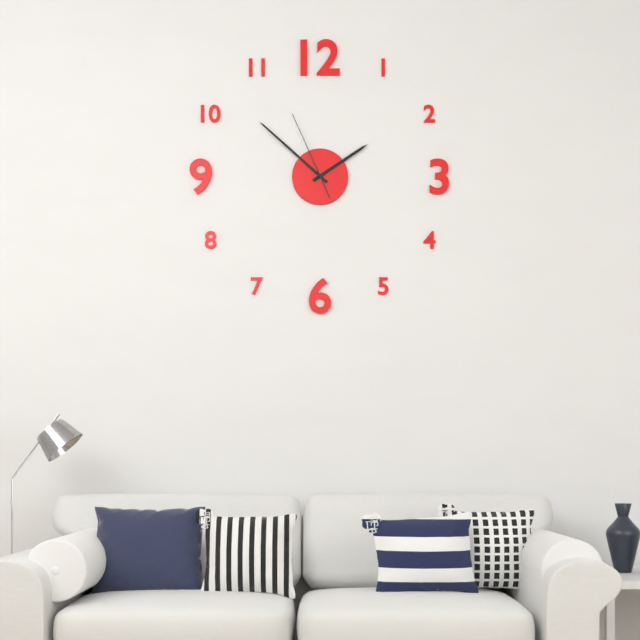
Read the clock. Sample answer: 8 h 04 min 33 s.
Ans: 1 h 52 min 56 s
